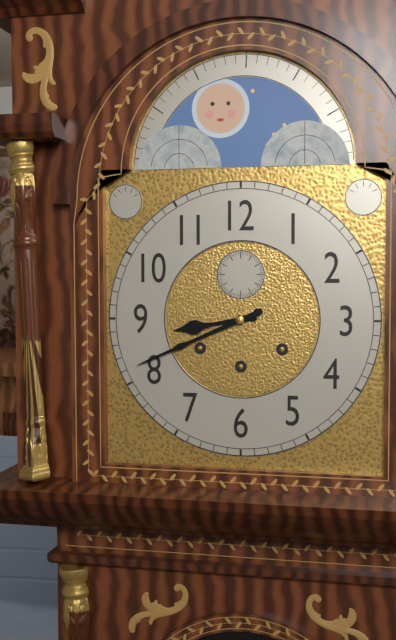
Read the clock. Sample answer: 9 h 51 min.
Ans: 8 h 41 min
